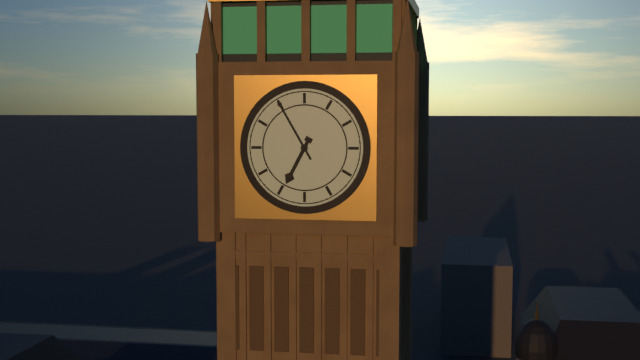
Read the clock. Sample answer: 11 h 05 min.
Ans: 6 h 55 min
